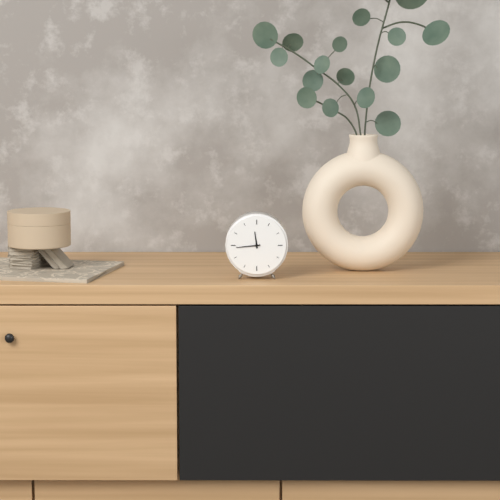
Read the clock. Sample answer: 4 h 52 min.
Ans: 11 h 44 min
